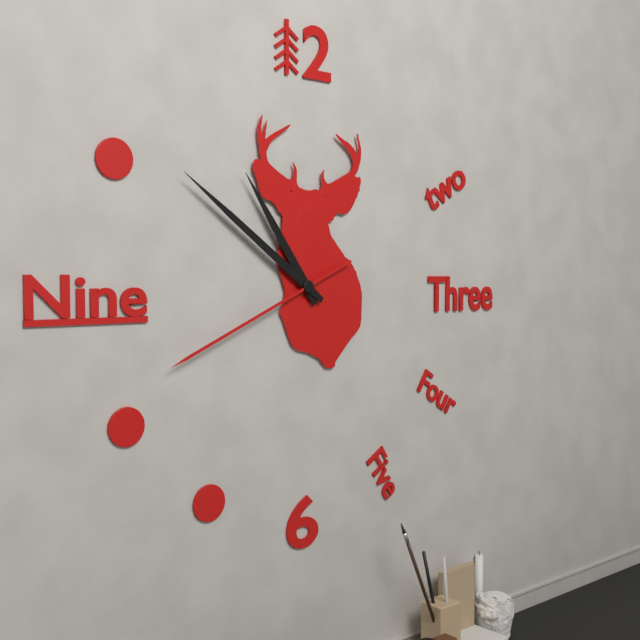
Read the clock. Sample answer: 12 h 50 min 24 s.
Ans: 10 h 51 min 41 s
